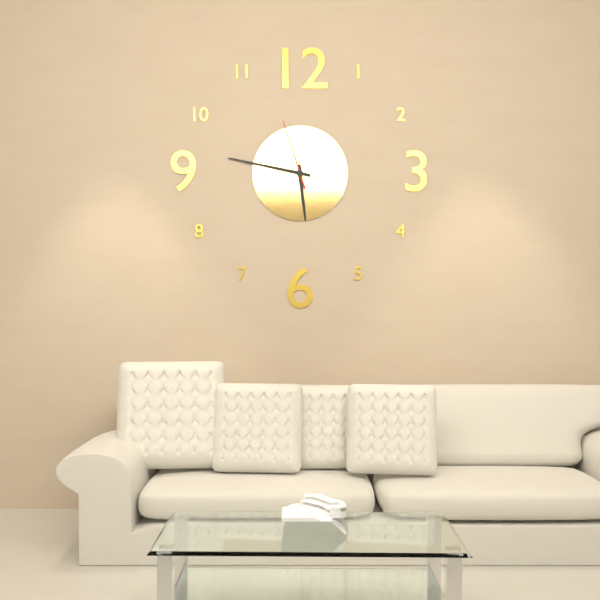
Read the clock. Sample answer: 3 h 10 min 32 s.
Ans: 5 h 47 min 57 s
